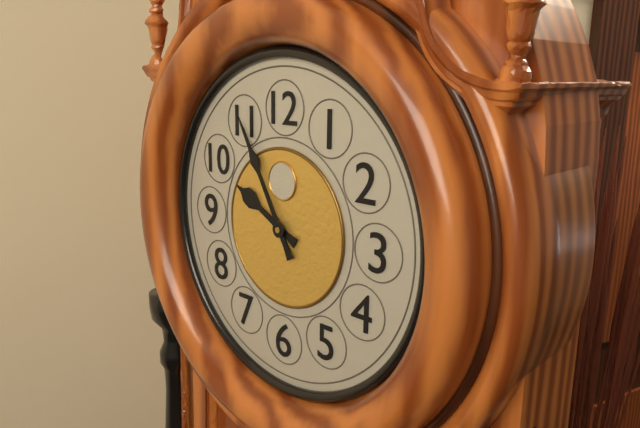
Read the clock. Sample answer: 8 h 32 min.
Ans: 9 h 55 min
